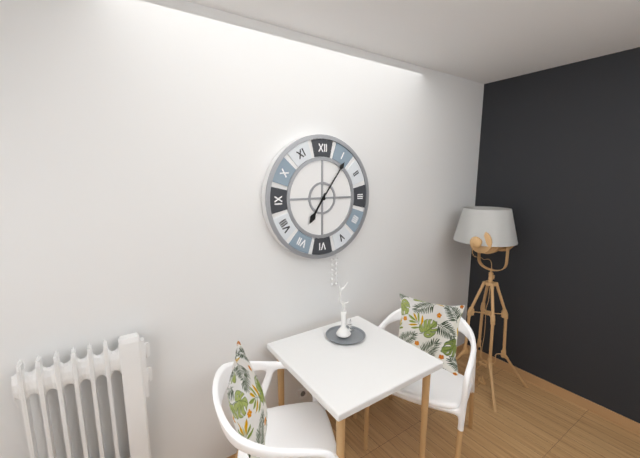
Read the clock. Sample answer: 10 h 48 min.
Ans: 7 h 06 min
